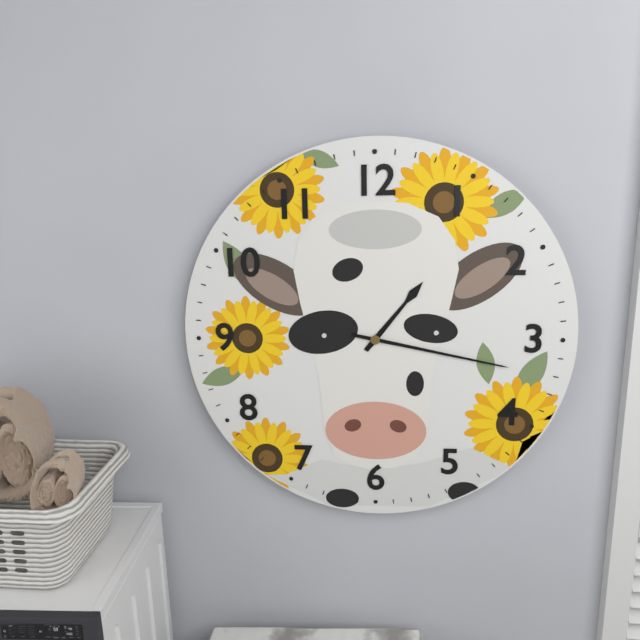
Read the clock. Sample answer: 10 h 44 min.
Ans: 1 h 17 min
